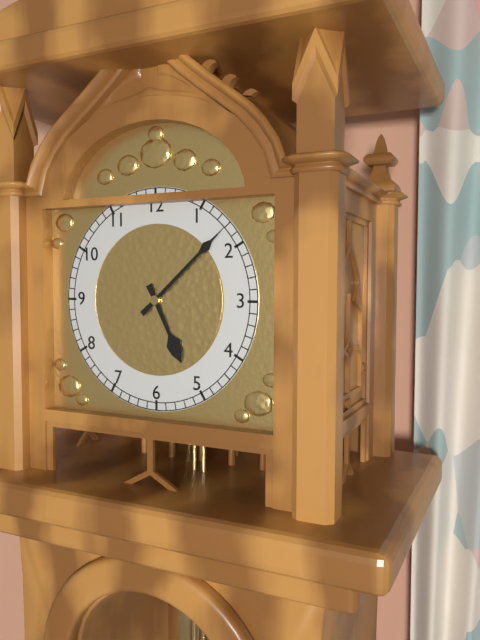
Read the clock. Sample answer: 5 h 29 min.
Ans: 5 h 08 min
